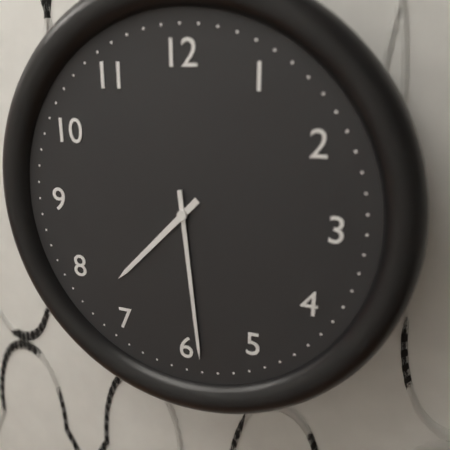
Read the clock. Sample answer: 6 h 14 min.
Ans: 7 h 29 min
